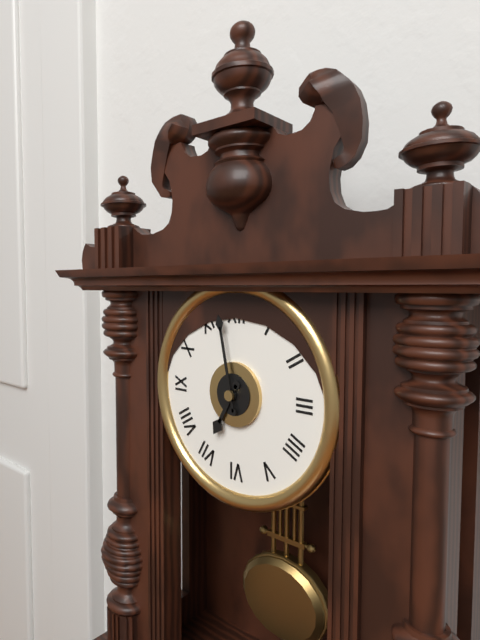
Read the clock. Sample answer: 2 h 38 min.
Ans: 6 h 58 min
